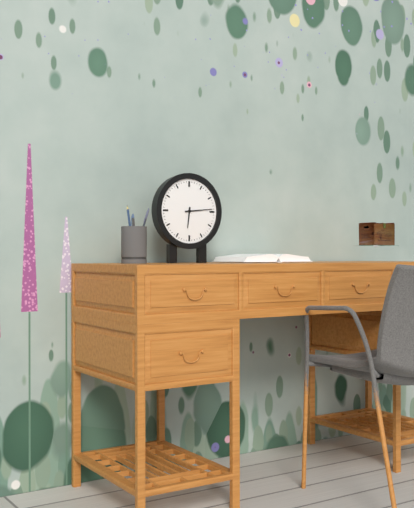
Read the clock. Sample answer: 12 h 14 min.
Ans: 6 h 14 min
